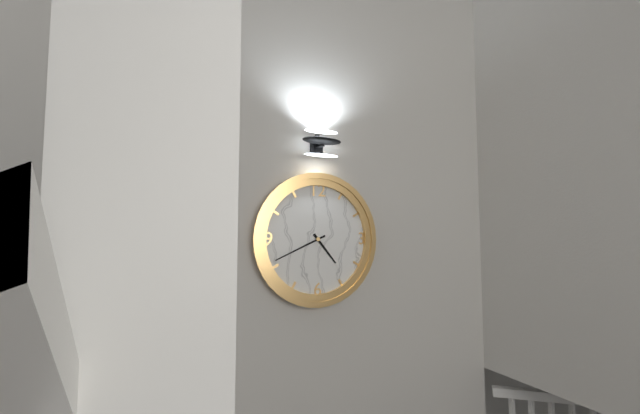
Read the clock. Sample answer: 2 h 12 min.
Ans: 4 h 41 min
